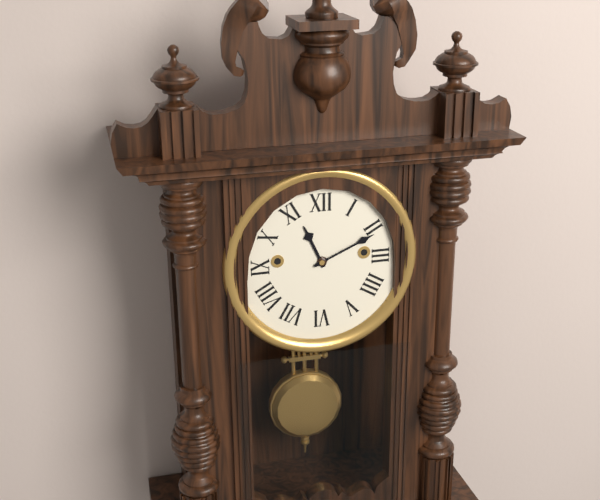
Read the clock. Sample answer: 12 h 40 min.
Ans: 11 h 11 min
